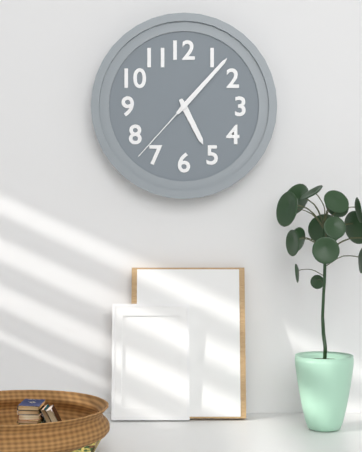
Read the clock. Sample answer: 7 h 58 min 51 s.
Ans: 5 h 07 min 37 s
